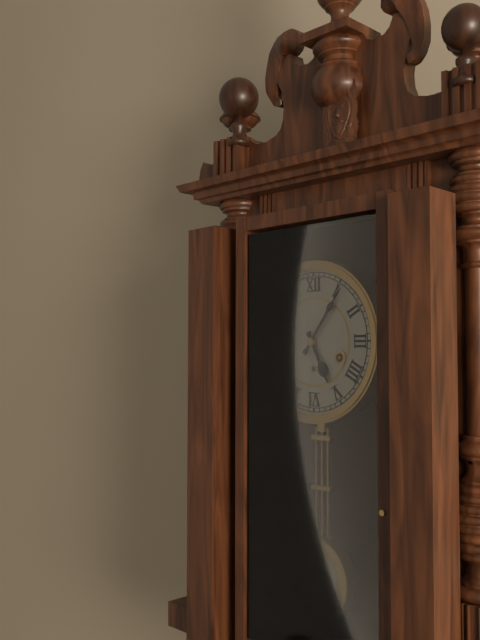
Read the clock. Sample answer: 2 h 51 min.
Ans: 5 h 06 min
